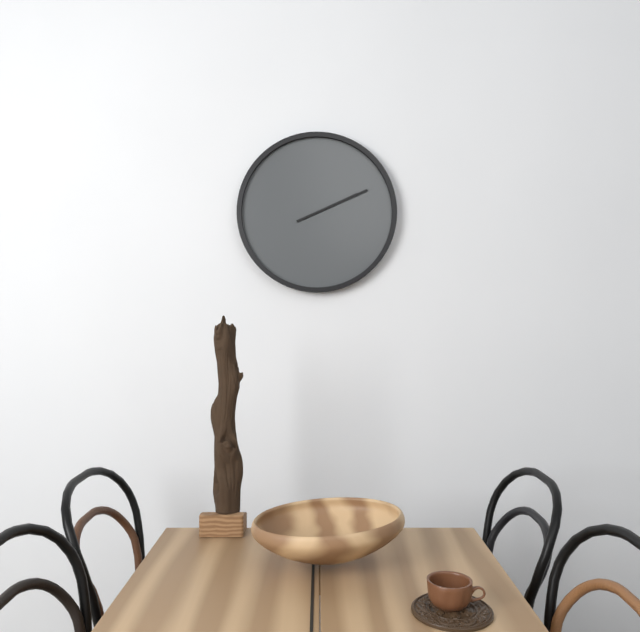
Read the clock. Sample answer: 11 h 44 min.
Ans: 2 h 11 min
